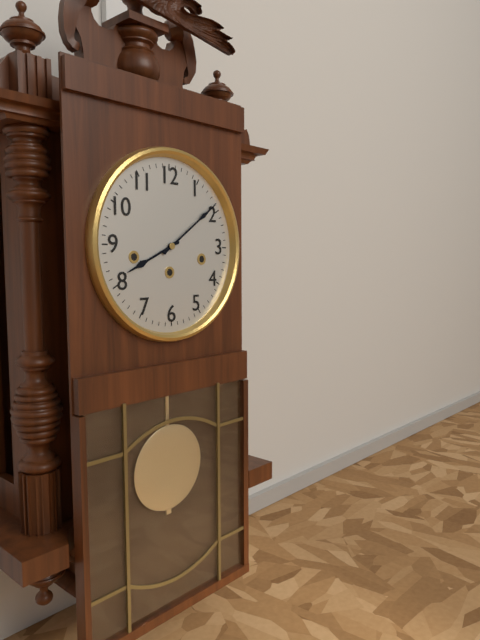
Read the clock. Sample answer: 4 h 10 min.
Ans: 8 h 09 min
